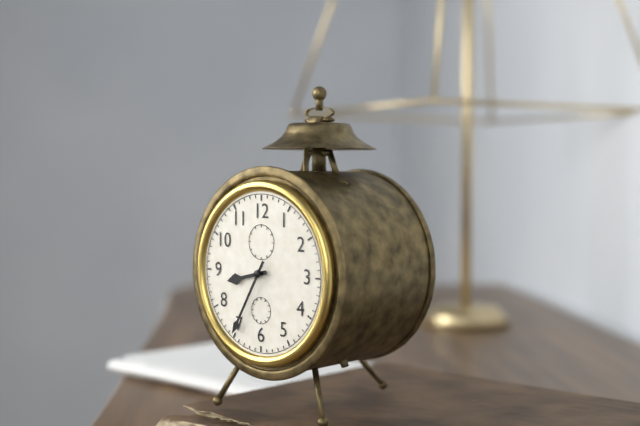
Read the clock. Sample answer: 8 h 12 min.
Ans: 8 h 35 min
